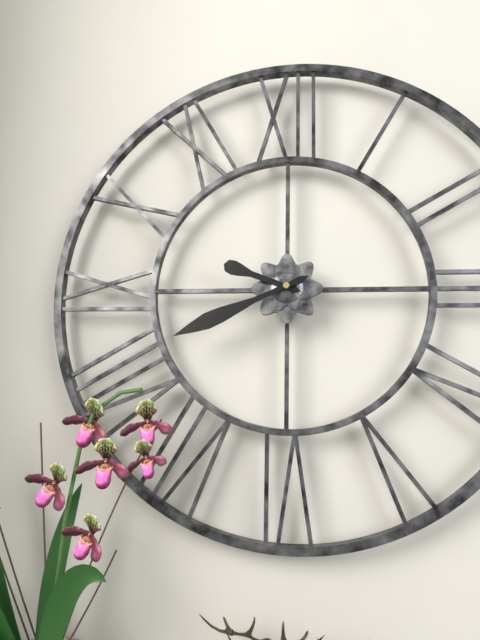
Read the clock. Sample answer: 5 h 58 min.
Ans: 9 h 41 min
